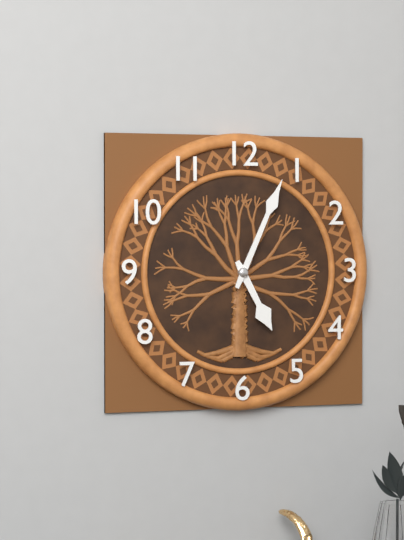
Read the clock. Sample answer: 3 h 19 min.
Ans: 5 h 04 min
